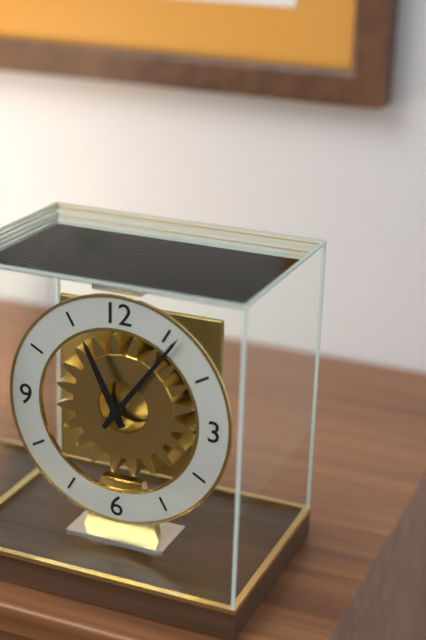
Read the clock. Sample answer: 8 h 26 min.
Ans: 11 h 06 min
